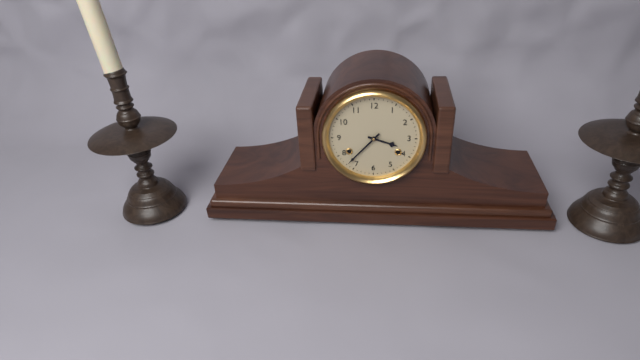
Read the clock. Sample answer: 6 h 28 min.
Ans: 3 h 37 min
